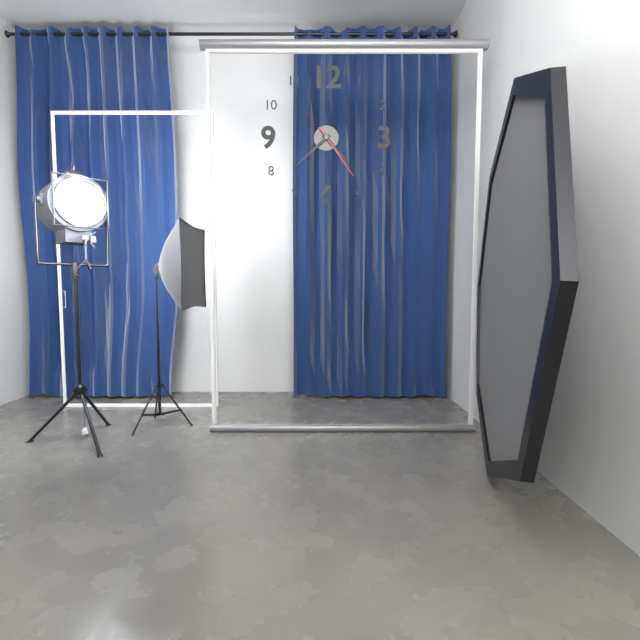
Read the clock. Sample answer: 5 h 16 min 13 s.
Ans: 4 h 38 min 24 s
